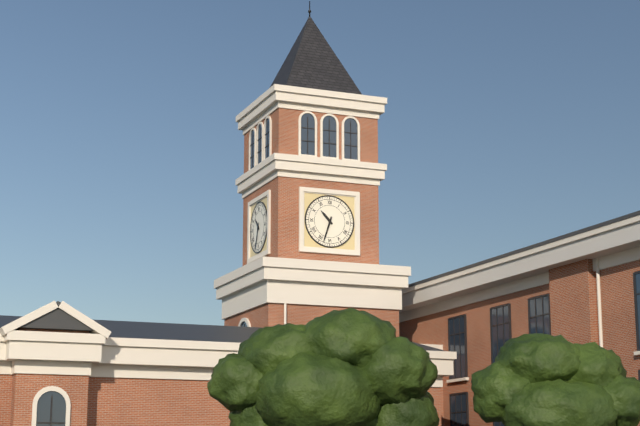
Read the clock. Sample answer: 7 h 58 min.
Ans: 10 h 33 min
